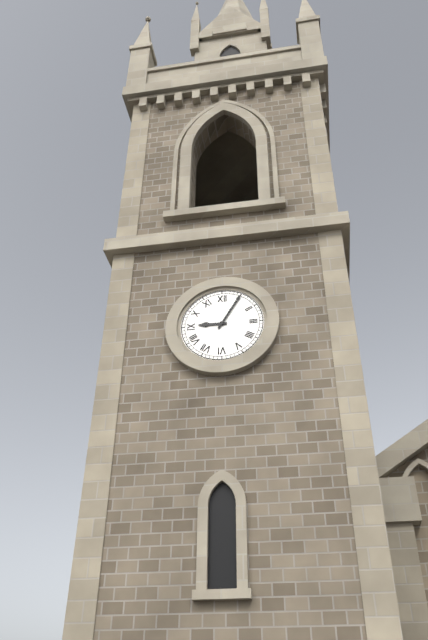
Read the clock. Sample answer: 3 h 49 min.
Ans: 9 h 05 min
